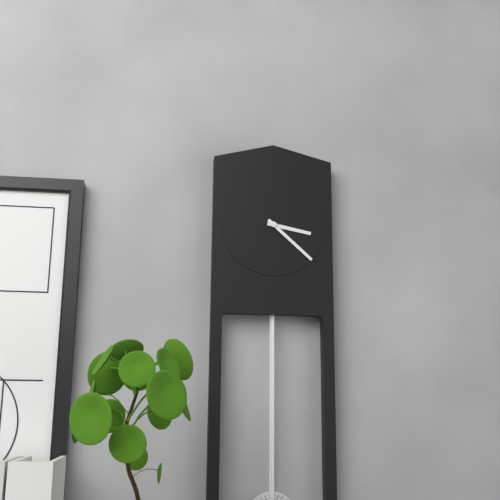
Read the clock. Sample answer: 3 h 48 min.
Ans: 3 h 22 min
